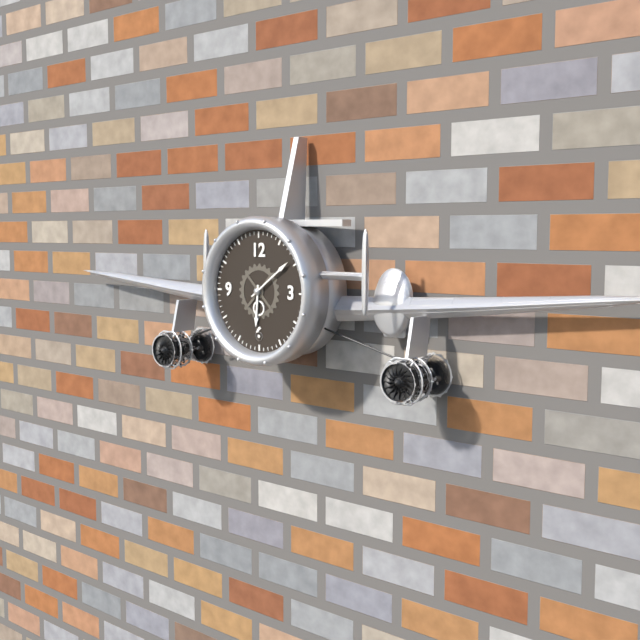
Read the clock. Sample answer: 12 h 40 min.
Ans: 6 h 09 min
